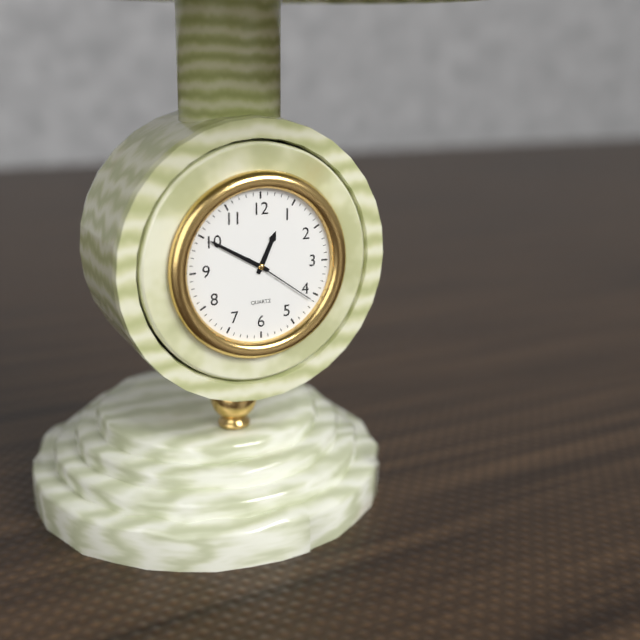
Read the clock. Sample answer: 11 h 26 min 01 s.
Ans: 12 h 50 min 21 s
